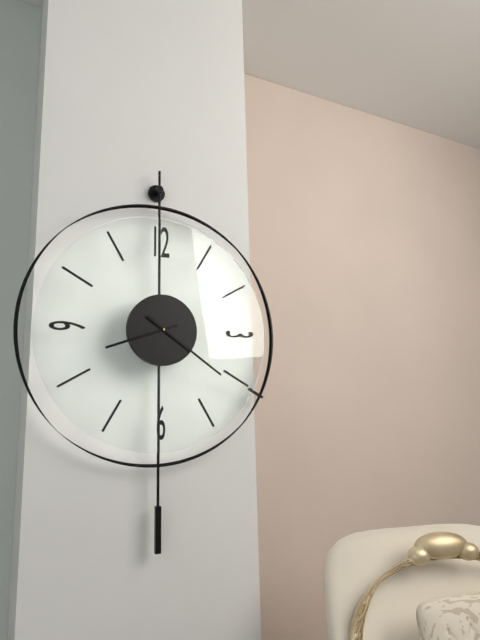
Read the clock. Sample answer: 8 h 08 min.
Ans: 8 h 21 min
